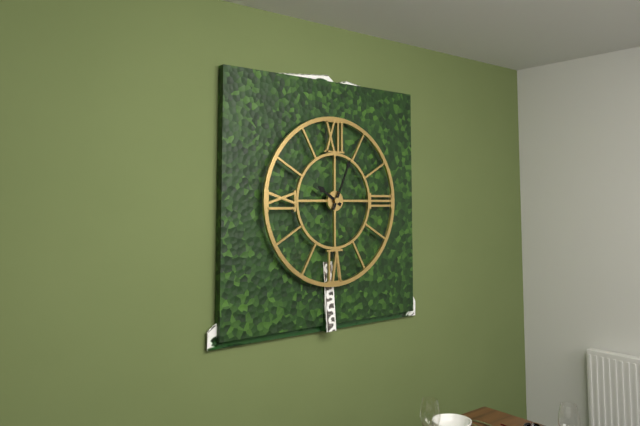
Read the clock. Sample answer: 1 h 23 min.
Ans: 10 h 04 min
